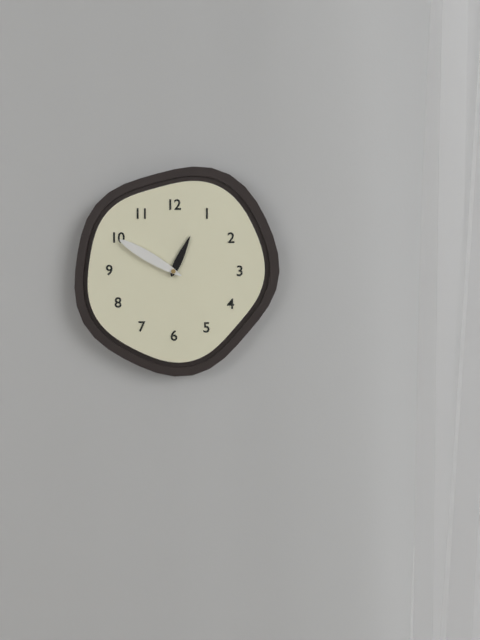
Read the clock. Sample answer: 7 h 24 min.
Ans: 12 h 50 min
